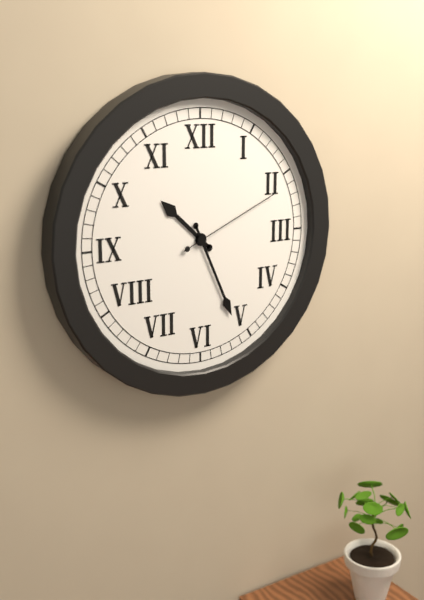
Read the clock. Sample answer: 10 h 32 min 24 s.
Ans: 10 h 26 min 11 s
